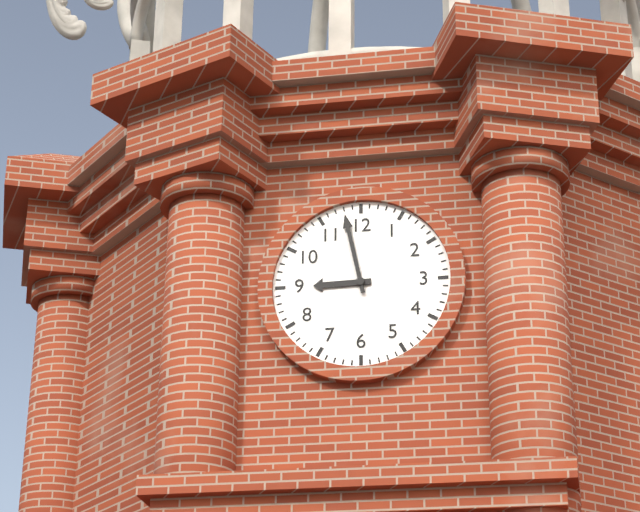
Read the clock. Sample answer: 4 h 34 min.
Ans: 8 h 58 min
